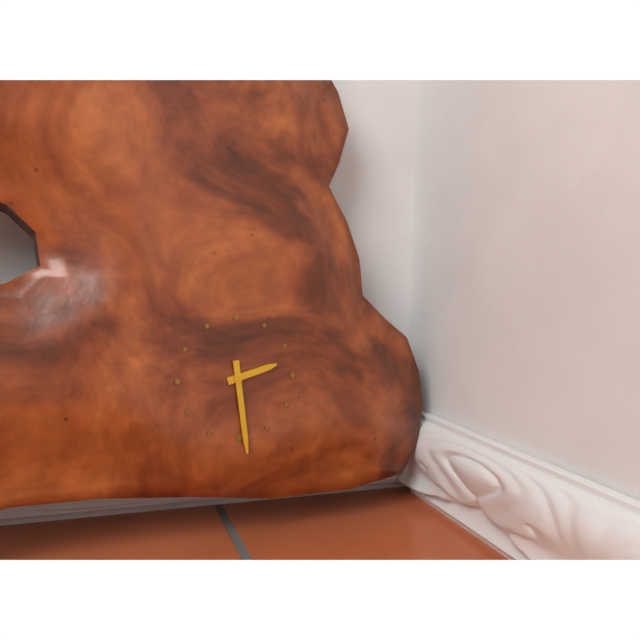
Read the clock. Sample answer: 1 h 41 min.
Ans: 2 h 29 min
